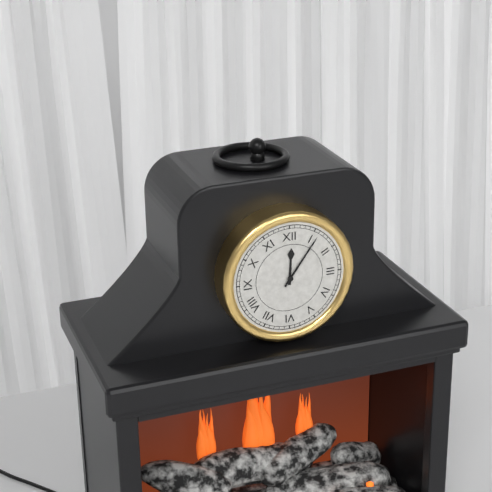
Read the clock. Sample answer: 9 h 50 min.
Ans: 12 h 06 min
